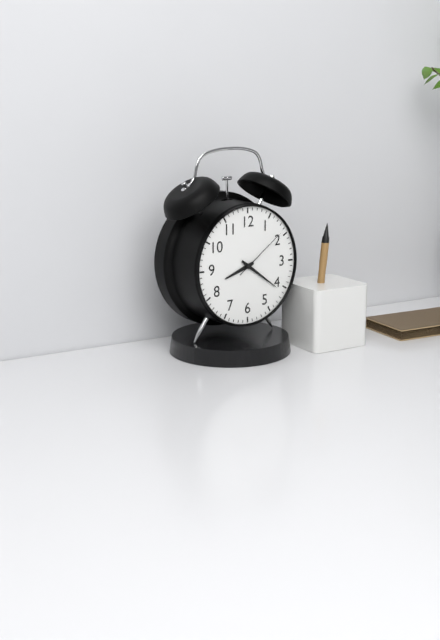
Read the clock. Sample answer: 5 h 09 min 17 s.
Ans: 8 h 21 min 09 s
